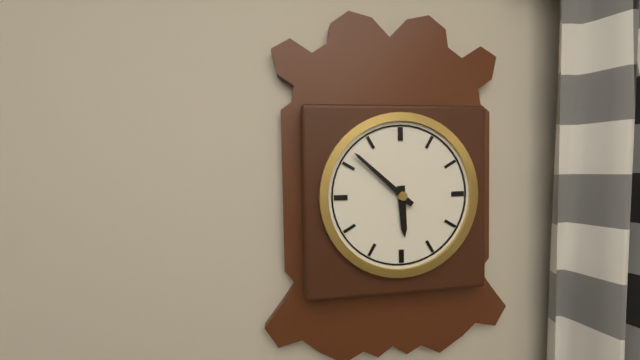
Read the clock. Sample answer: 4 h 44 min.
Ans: 5 h 52 min
